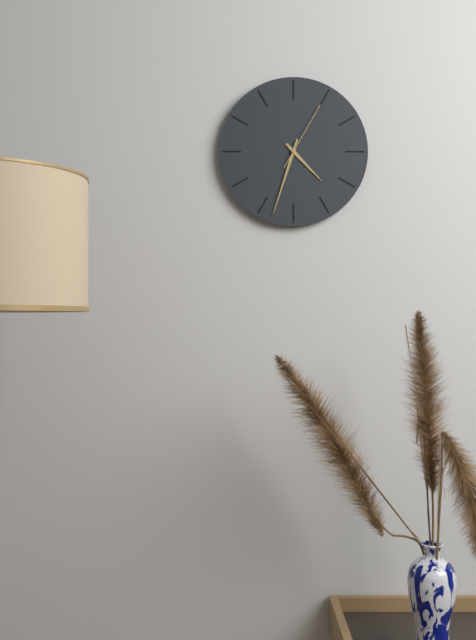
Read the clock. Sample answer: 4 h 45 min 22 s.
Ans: 4 h 33 min 05 s
